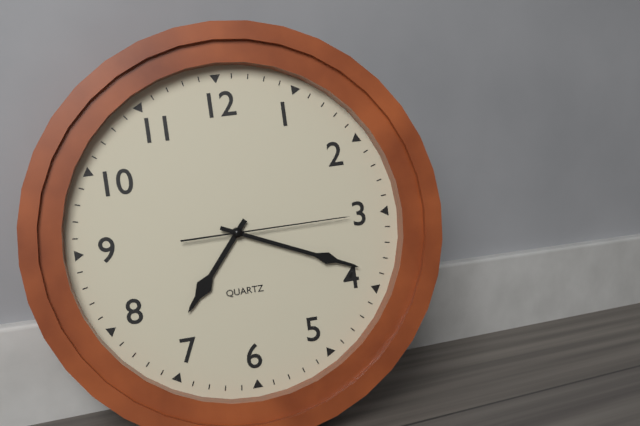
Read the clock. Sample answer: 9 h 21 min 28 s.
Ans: 7 h 19 min 15 s
